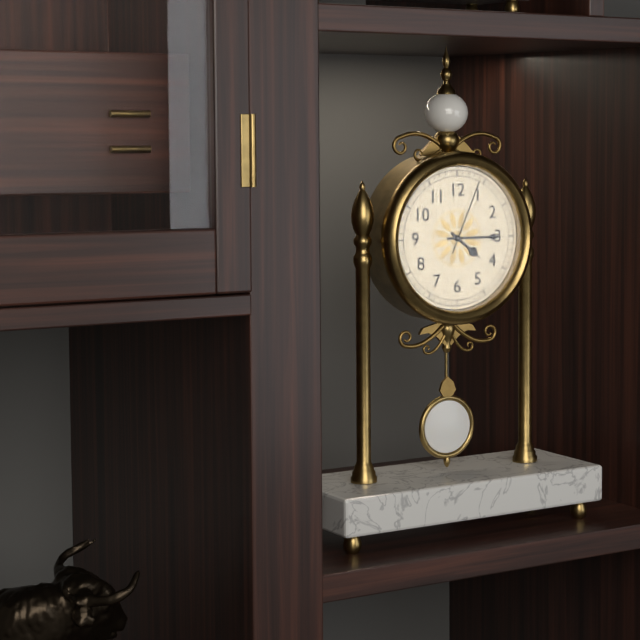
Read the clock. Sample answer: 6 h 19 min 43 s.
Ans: 4 h 15 min 04 s
